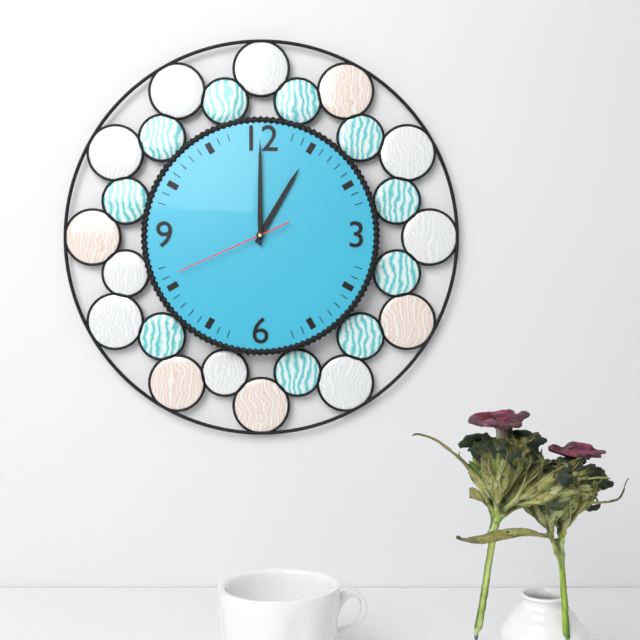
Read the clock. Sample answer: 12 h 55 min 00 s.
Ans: 1 h 00 min 41 s
